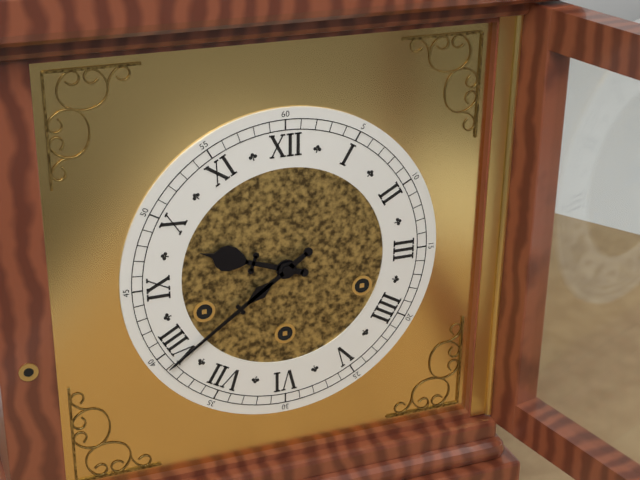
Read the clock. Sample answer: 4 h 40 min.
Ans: 9 h 39 min
